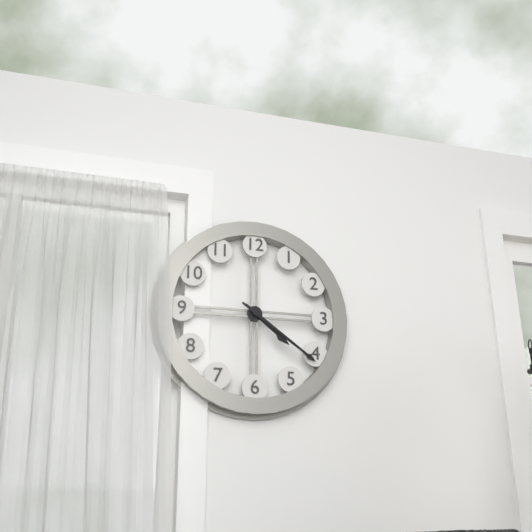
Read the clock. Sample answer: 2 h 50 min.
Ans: 4 h 21 min
